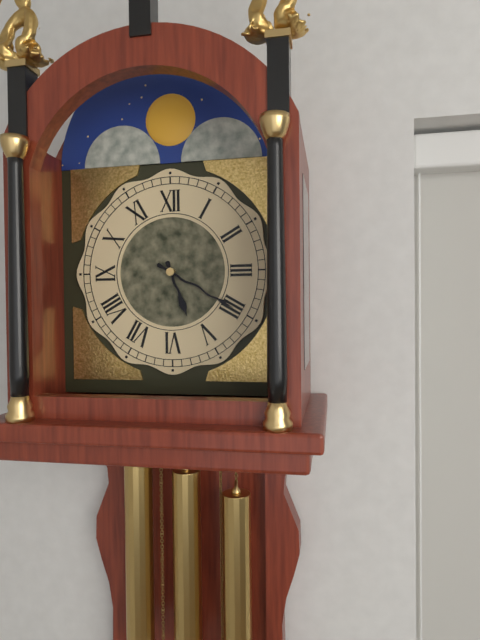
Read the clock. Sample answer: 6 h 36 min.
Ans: 5 h 20 min
